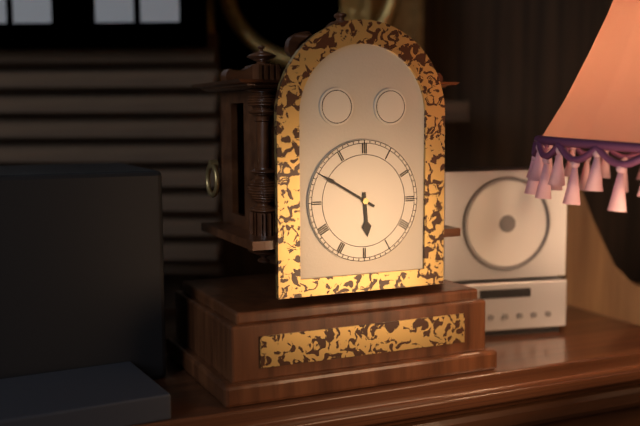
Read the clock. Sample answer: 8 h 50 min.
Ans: 5 h 50 min
